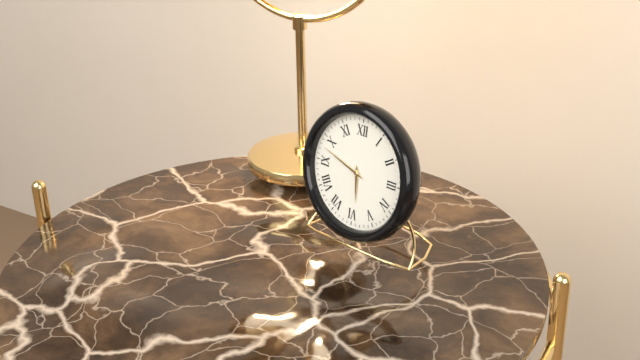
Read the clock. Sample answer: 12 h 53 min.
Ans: 5 h 48 min
